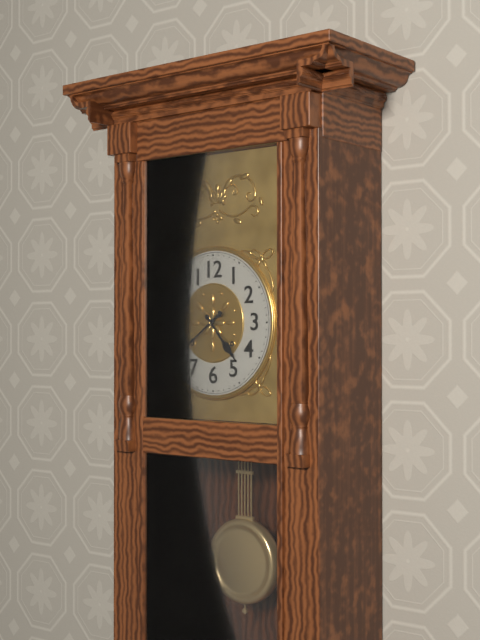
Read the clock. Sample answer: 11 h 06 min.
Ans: 4 h 39 min
